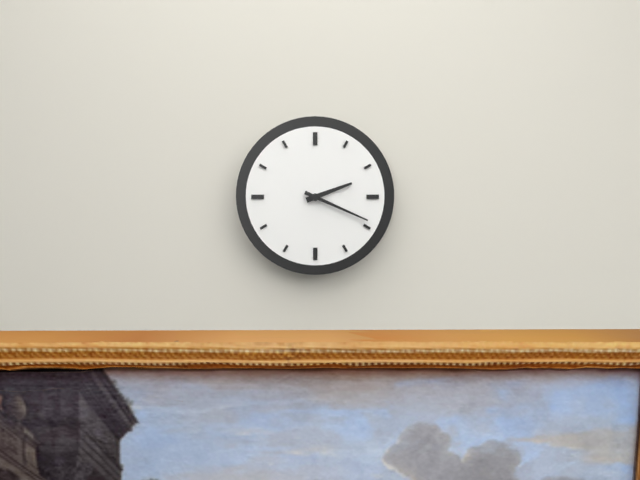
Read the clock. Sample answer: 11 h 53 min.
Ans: 2 h 19 min
